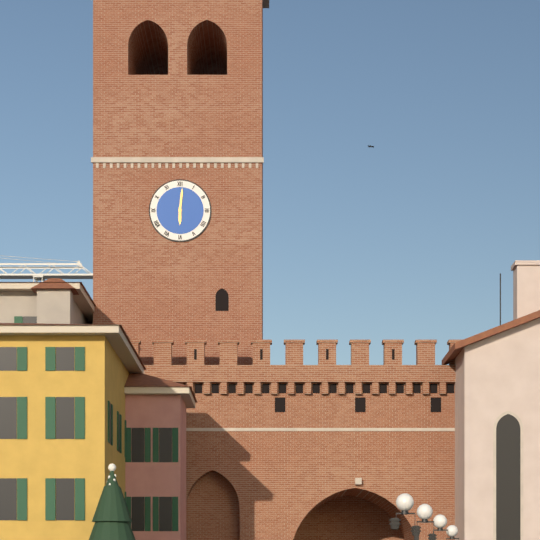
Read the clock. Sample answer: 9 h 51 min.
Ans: 6 h 01 min
